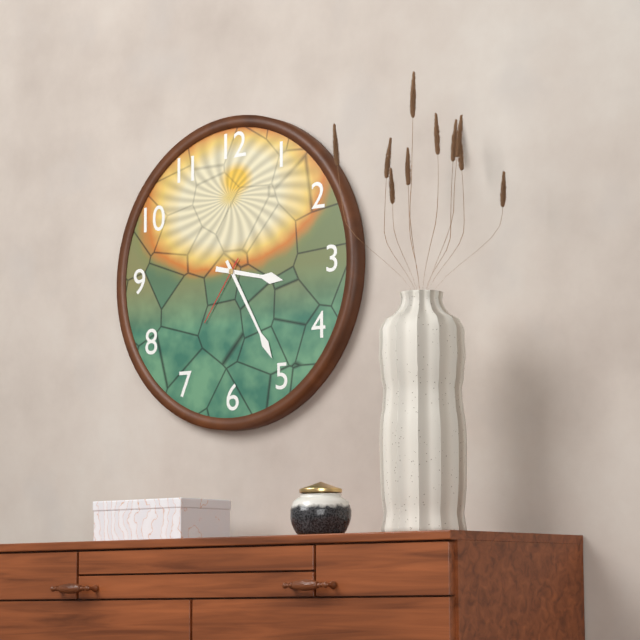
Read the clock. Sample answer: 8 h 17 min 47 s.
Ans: 3 h 25 min 36 s
